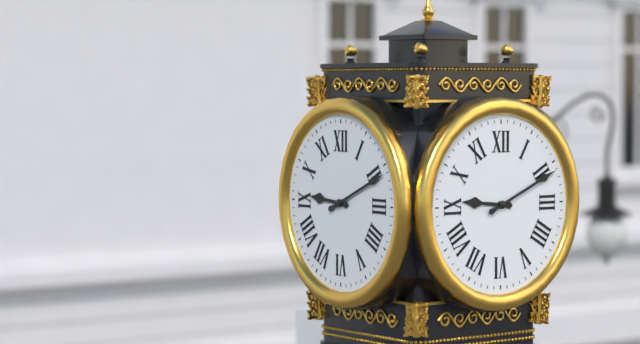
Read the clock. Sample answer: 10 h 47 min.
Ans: 9 h 11 min
